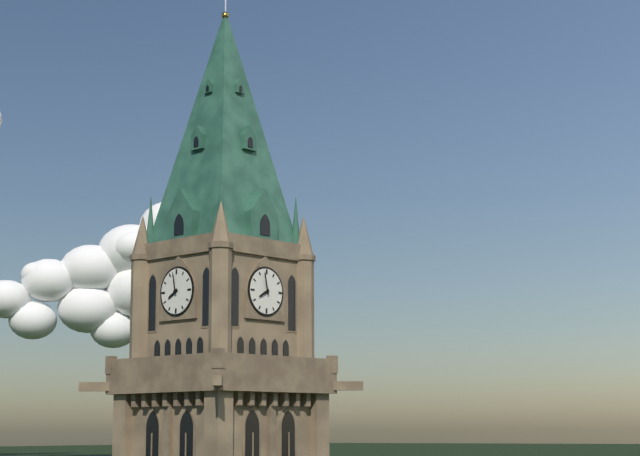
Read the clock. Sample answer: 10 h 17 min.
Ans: 7 h 58 min
